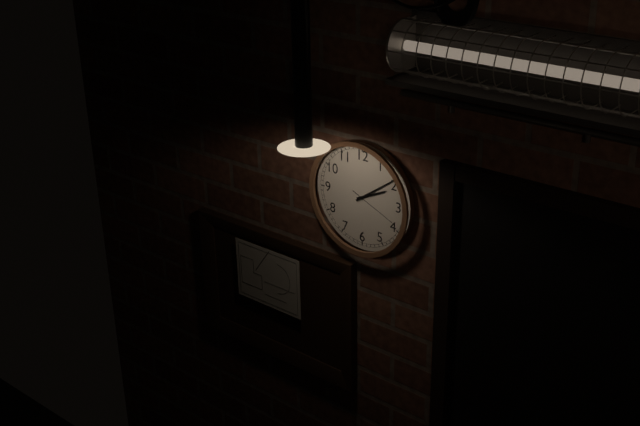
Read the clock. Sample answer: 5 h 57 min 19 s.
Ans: 2 h 09 min 19 s
